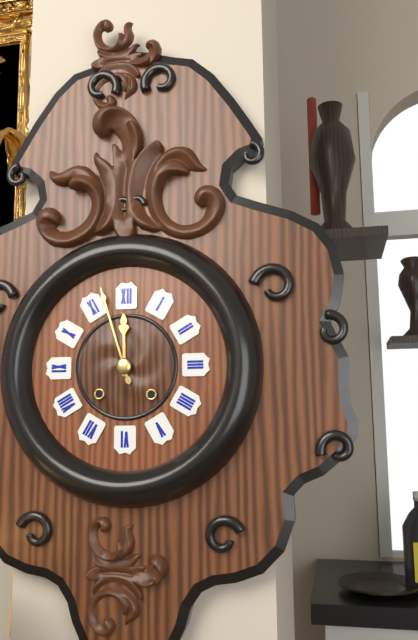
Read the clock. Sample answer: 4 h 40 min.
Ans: 11 h 57 min
